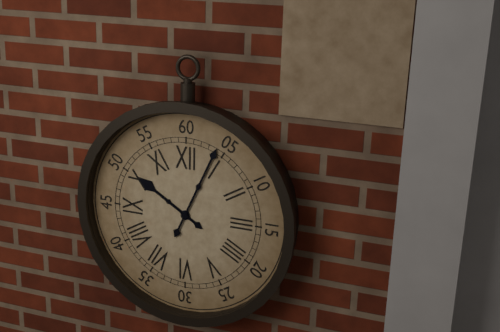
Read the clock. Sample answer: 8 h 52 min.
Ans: 10 h 04 min
